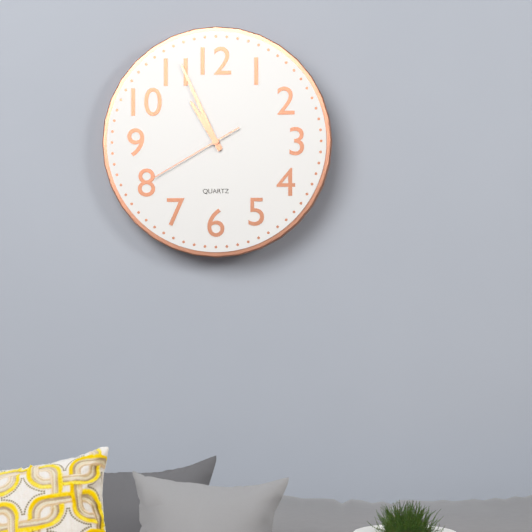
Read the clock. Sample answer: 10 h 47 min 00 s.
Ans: 10 h 56 min 40 s
